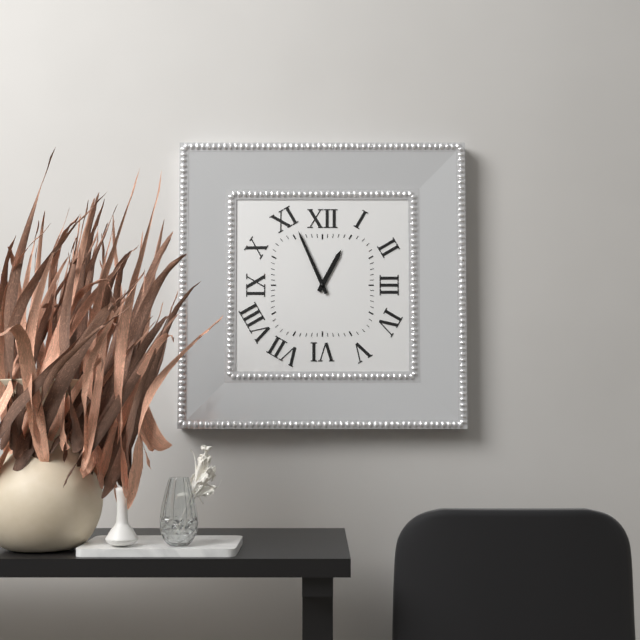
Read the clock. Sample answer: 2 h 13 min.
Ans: 12 h 56 min
